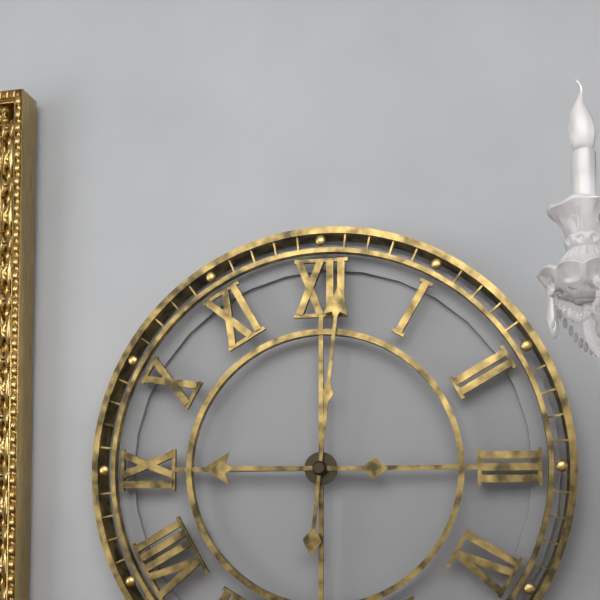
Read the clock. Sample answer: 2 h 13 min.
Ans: 9 h 01 min
